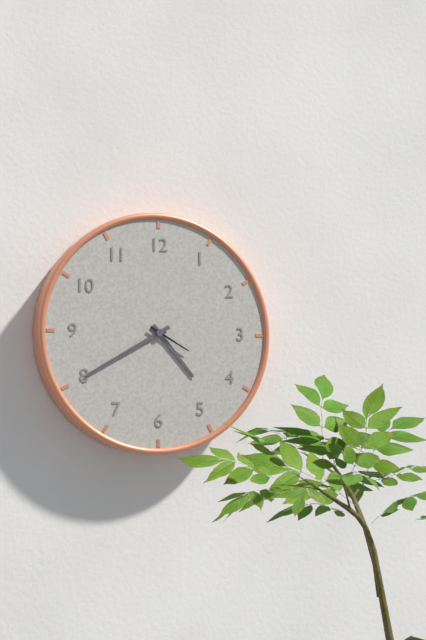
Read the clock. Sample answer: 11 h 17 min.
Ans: 4 h 40 min
